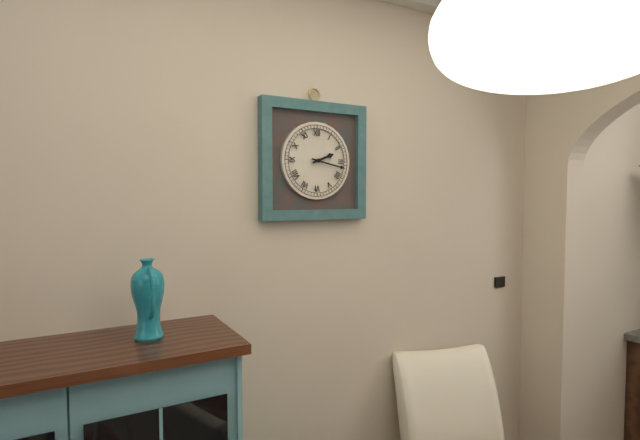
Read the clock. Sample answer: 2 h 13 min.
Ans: 2 h 17 min
